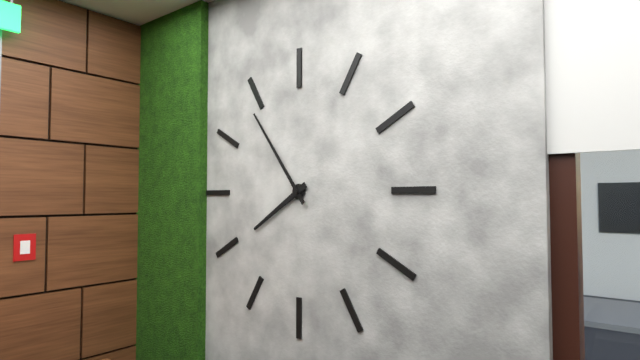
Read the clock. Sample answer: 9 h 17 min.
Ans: 7 h 54 min
